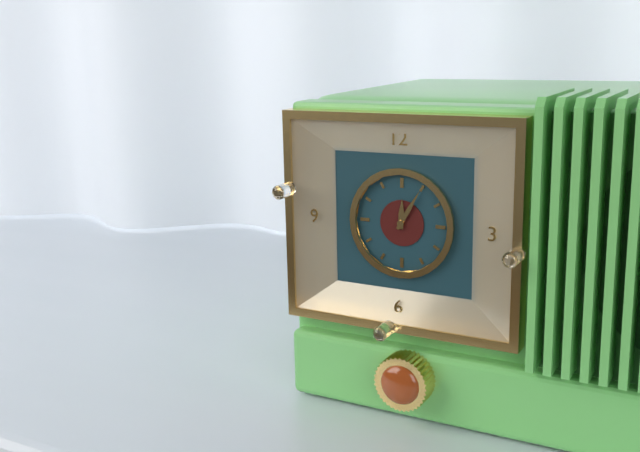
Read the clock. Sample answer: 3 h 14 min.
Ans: 12 h 05 min
